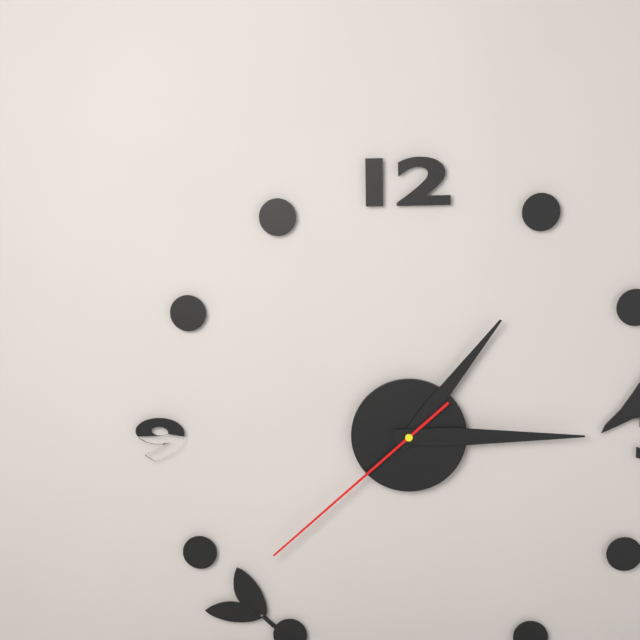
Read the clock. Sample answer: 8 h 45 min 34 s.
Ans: 1 h 15 min 38 s
